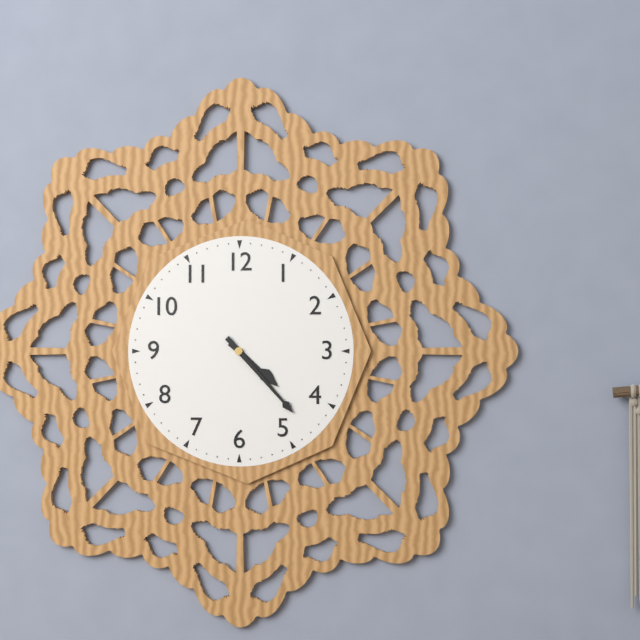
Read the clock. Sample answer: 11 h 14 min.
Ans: 4 h 23 min
